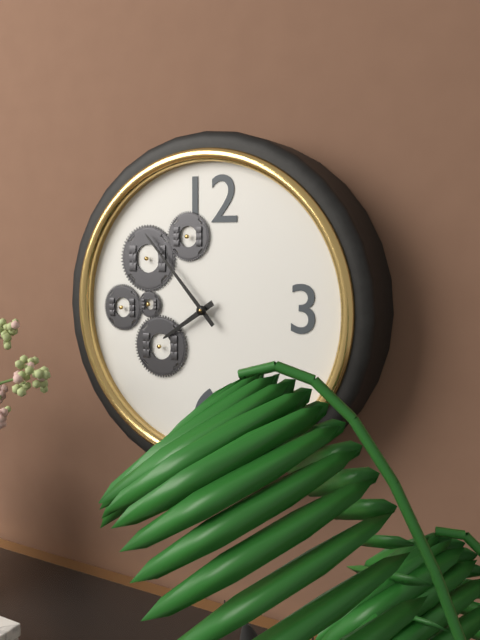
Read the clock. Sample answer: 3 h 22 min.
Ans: 7 h 53 min
